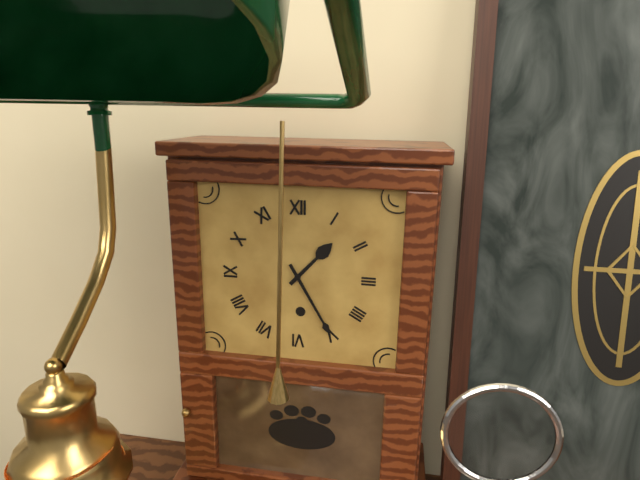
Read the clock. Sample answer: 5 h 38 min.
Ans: 1 h 25 min
